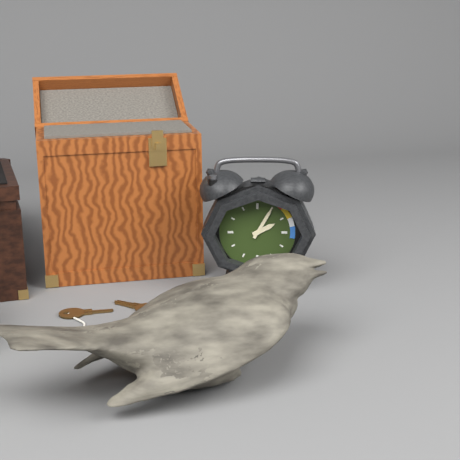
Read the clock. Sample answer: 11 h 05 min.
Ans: 2 h 05 min
